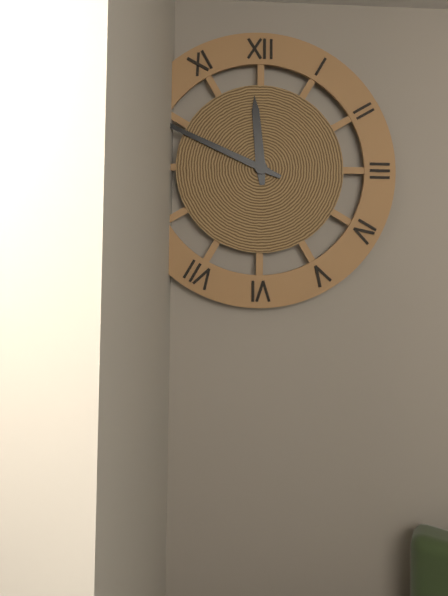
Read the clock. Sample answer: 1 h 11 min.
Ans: 11 h 49 min
